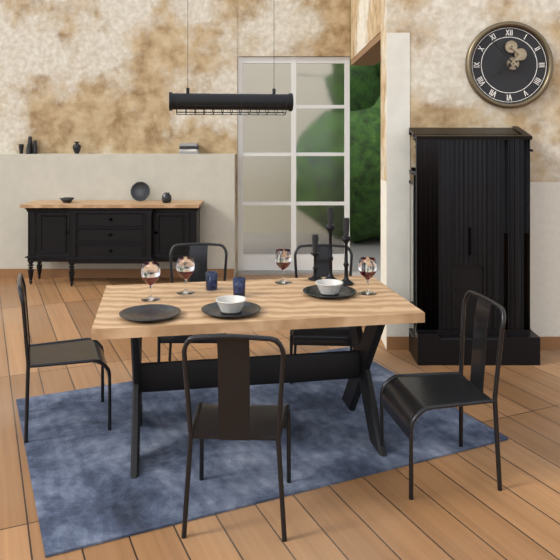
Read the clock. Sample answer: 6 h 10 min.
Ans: 7 h 53 min
